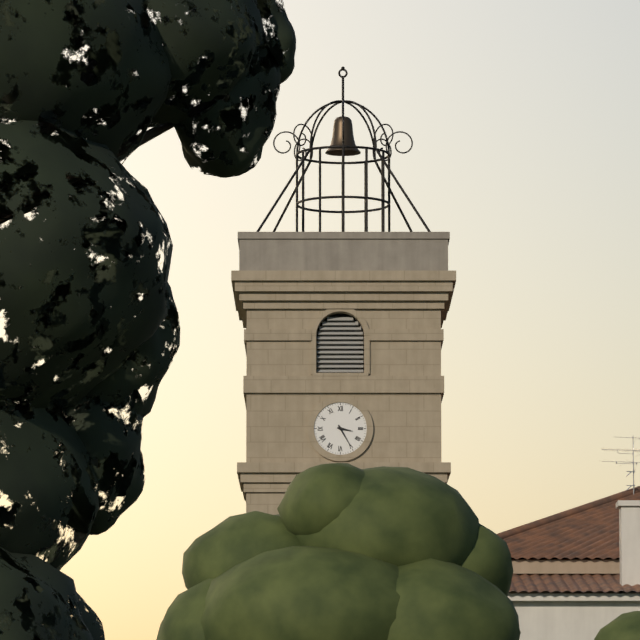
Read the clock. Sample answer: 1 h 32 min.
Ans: 3 h 25 min
